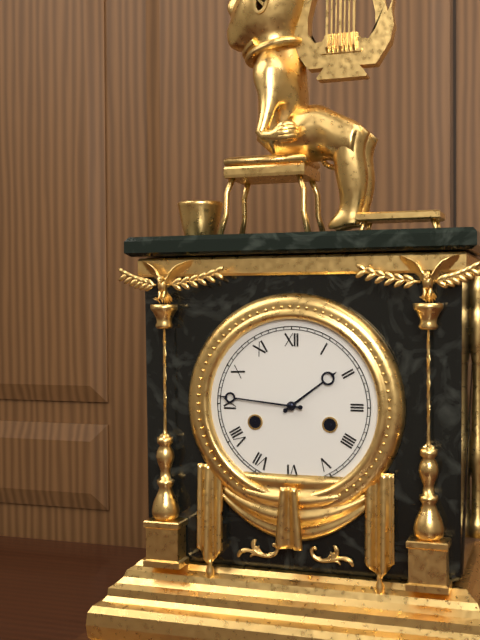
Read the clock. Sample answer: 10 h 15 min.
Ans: 1 h 46 min
